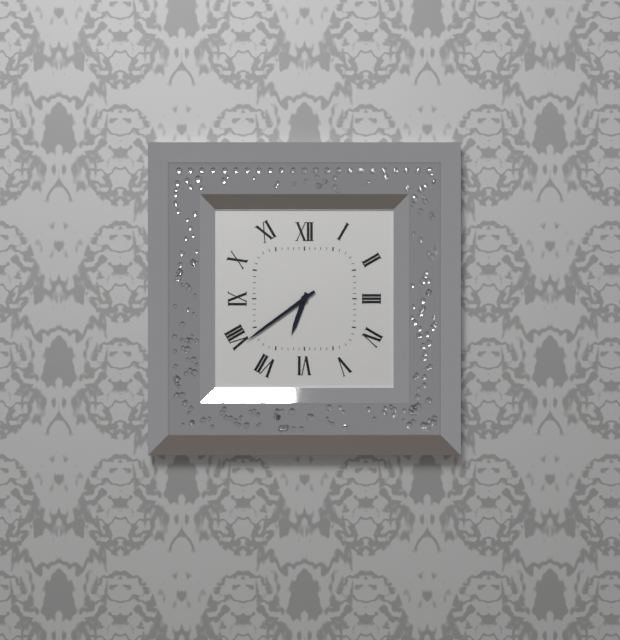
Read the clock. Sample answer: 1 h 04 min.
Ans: 6 h 39 min
